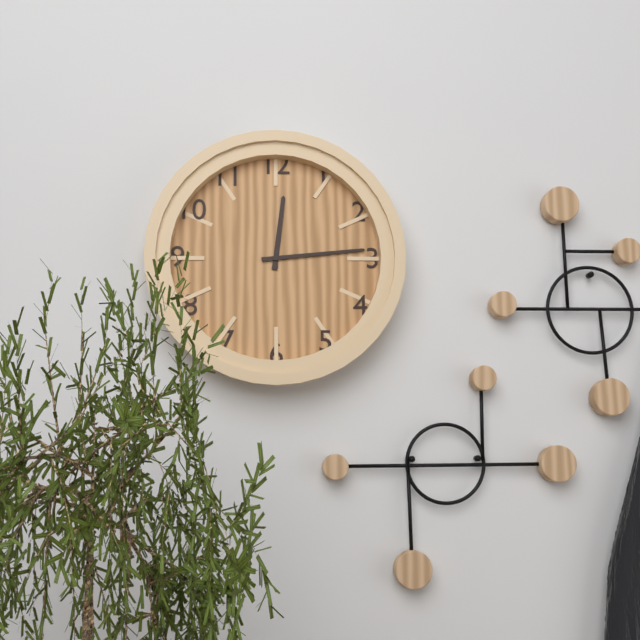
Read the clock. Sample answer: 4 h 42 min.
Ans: 12 h 14 min
